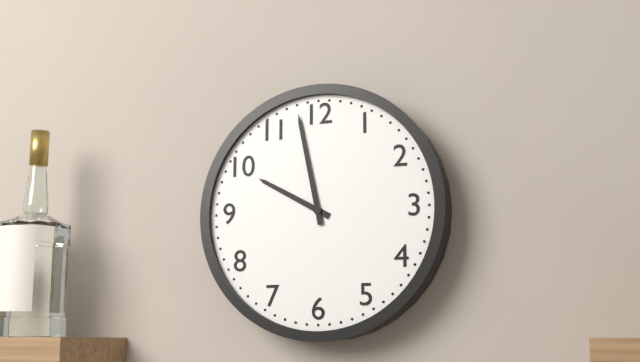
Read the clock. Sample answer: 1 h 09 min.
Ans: 9 h 58 min
